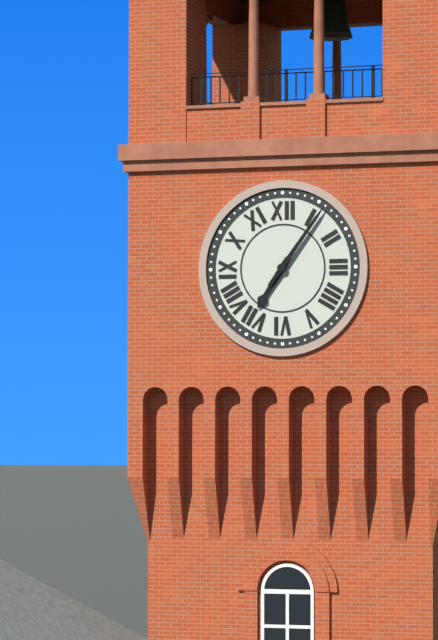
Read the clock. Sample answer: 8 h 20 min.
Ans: 7 h 06 min
